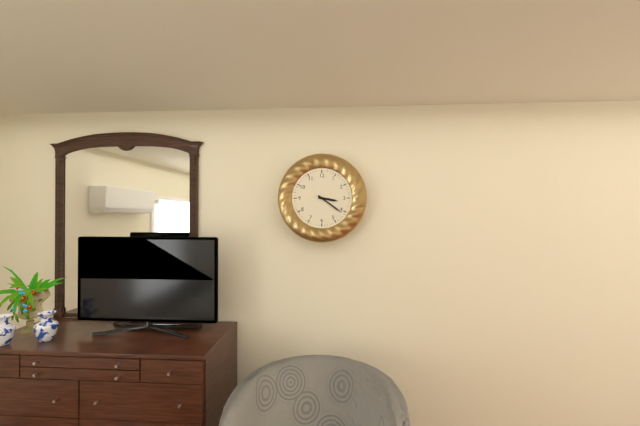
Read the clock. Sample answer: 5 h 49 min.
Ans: 3 h 21 min
